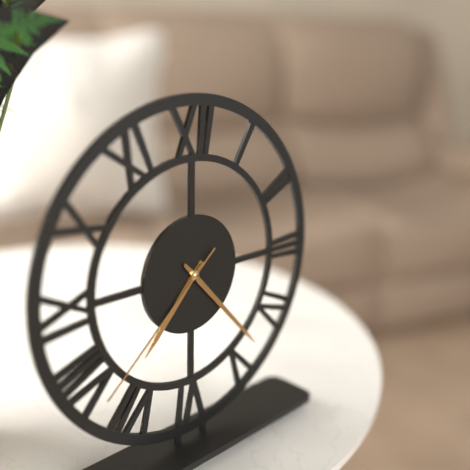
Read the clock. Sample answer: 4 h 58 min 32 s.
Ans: 7 h 23 min 38 s
